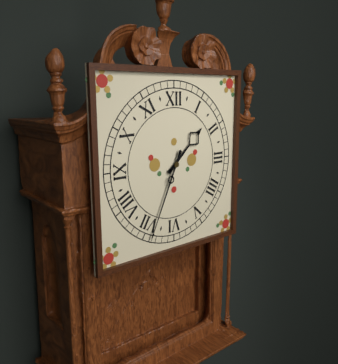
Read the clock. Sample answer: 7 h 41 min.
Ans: 1 h 34 min
